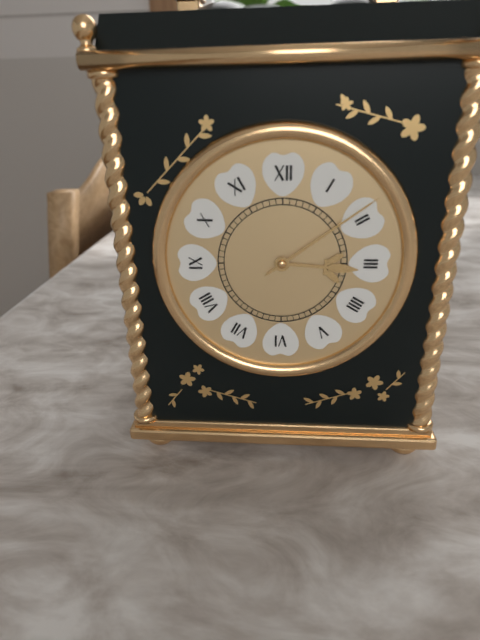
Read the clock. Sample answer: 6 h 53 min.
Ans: 3 h 09 min
